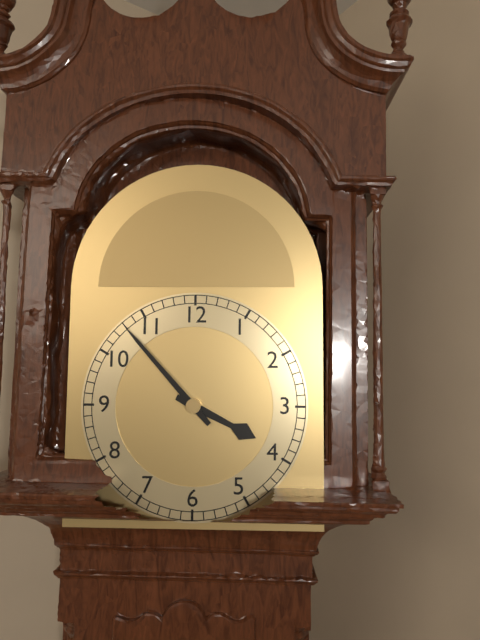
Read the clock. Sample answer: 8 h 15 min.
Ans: 3 h 53 min
